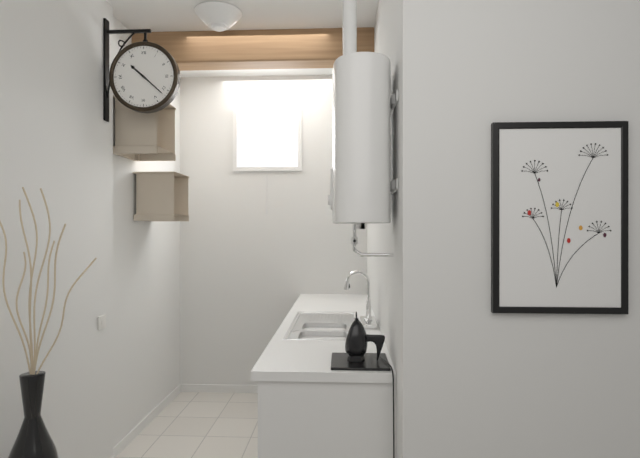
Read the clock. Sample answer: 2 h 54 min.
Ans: 10 h 22 min
